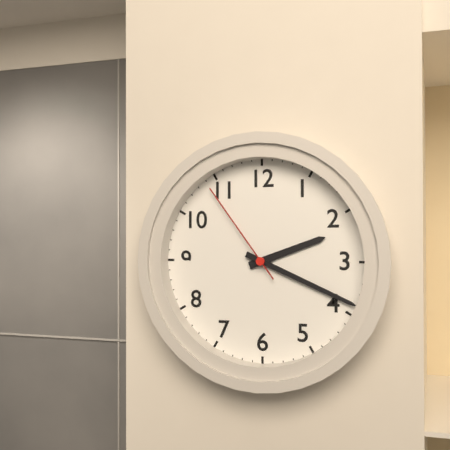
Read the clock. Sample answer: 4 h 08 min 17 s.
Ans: 2 h 19 min 54 s
